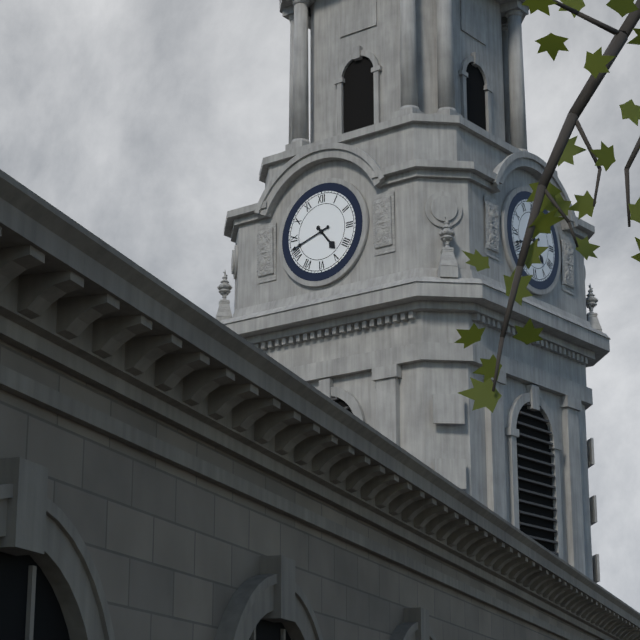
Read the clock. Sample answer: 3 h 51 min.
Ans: 4 h 42 min
